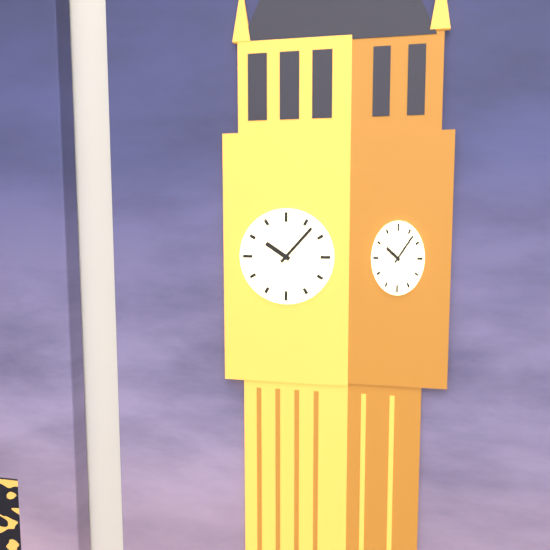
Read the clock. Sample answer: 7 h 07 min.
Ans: 10 h 07 min
